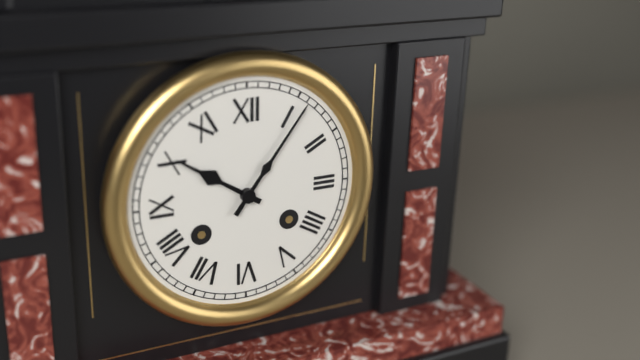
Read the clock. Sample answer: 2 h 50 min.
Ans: 10 h 06 min
